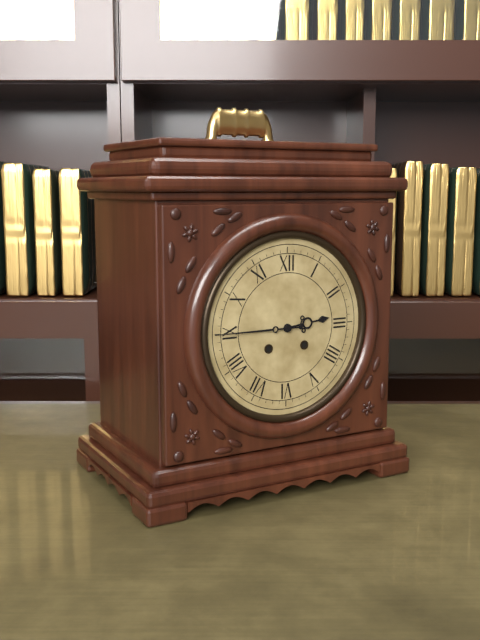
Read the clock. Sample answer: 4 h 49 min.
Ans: 2 h 45 min
